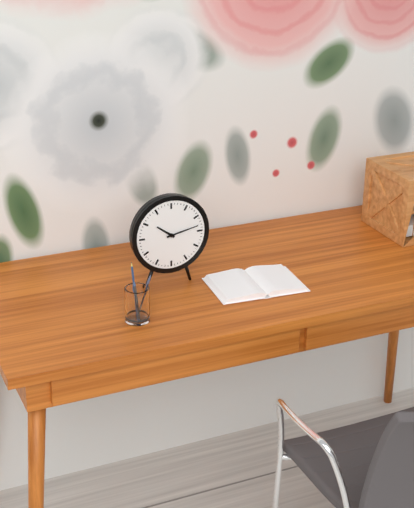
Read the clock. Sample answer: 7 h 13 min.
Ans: 10 h 13 min
